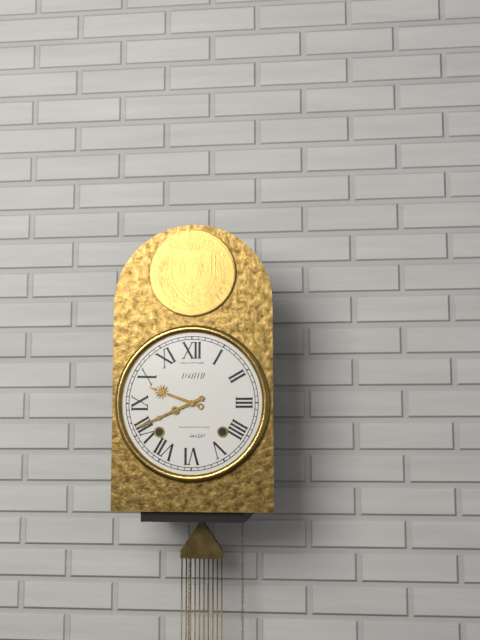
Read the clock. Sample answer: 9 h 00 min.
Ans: 9 h 41 min
